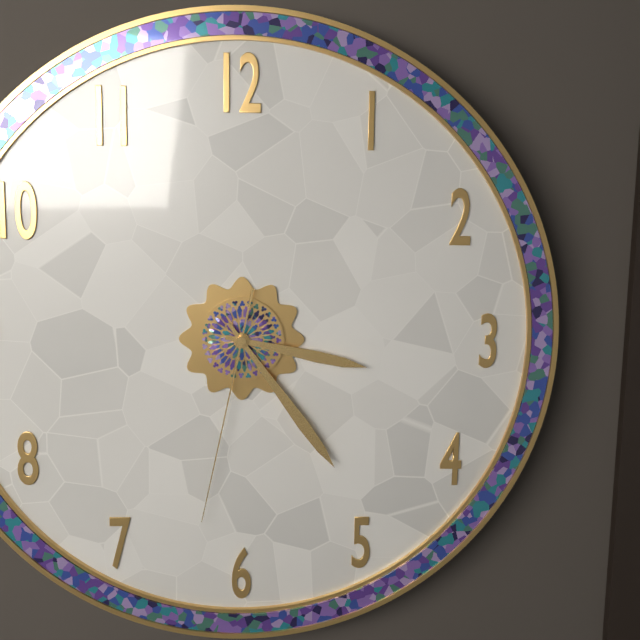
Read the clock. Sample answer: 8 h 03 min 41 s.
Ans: 3 h 24 min 32 s
